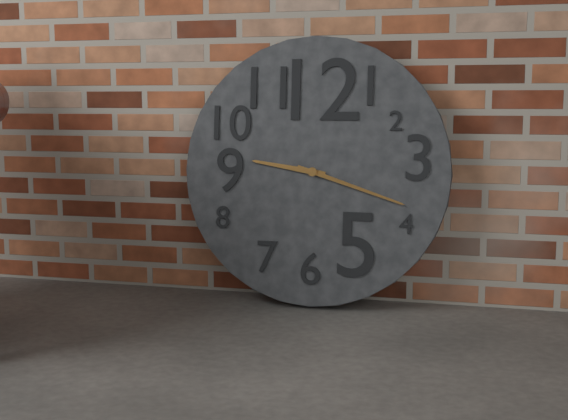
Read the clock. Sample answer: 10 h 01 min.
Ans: 9 h 18 min
